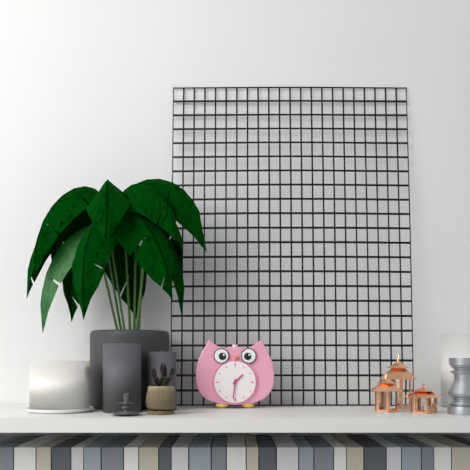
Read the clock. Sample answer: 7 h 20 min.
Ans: 1 h 31 min
